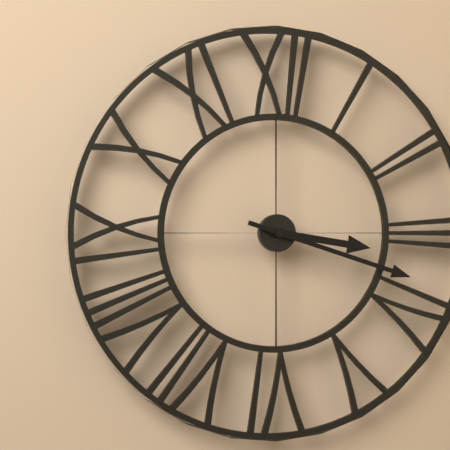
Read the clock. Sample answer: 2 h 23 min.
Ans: 3 h 18 min
